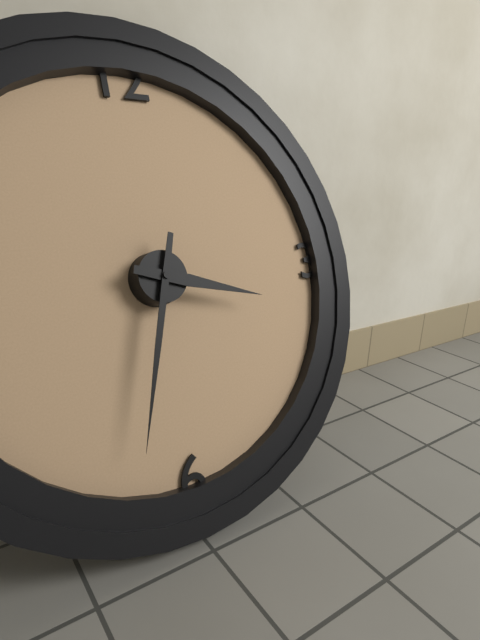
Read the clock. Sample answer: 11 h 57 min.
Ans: 3 h 33 min
